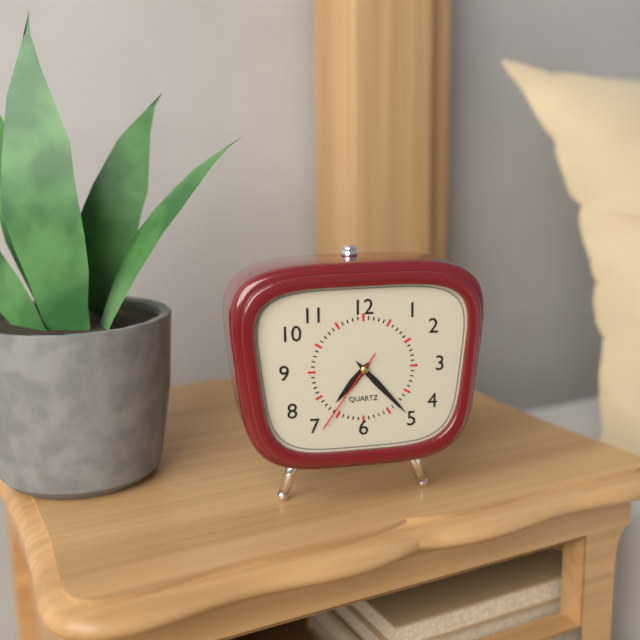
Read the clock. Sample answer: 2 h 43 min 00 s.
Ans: 7 h 23 min 36 s
